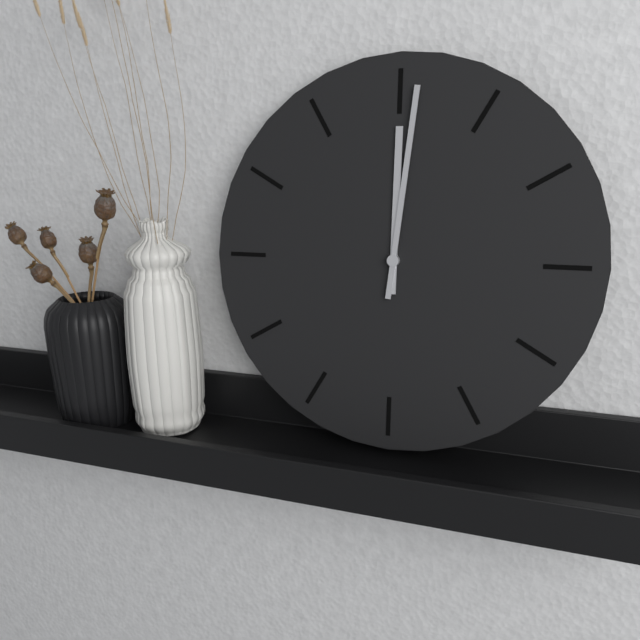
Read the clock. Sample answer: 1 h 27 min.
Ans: 12 h 01 min
